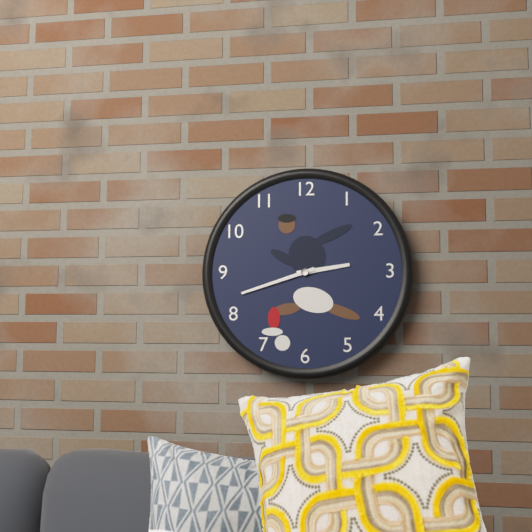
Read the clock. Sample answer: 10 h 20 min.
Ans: 2 h 42 min
